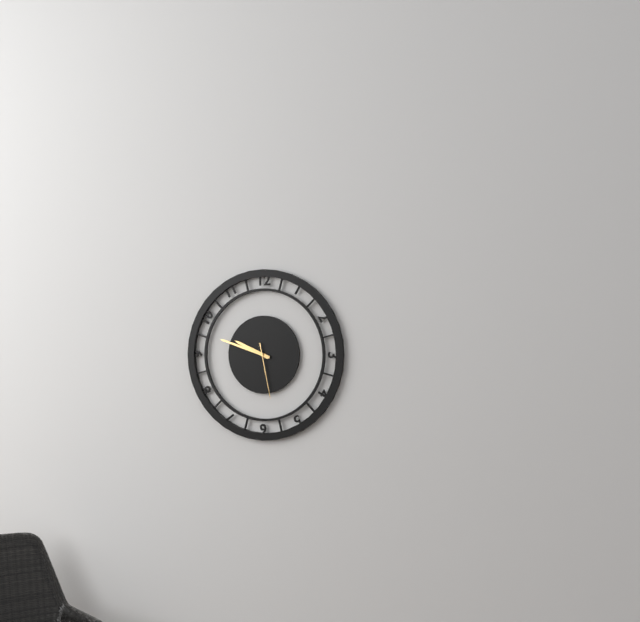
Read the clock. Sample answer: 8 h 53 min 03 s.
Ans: 9 h 48 min 28 s
